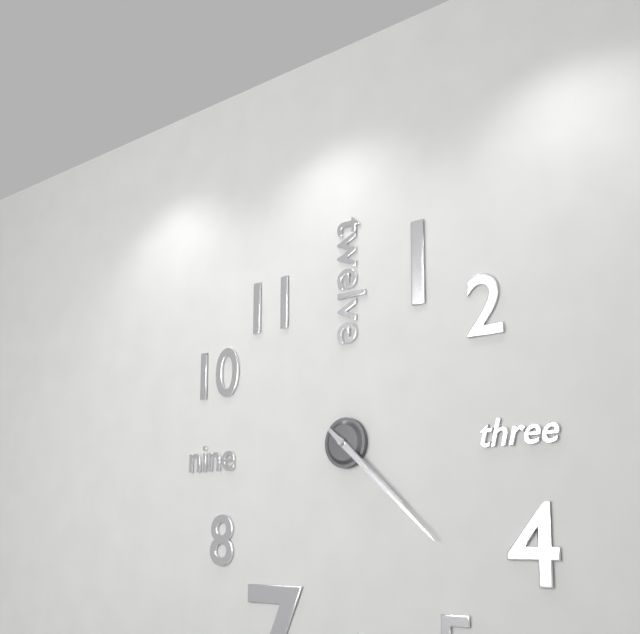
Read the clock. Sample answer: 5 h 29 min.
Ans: 4 h 22 min
